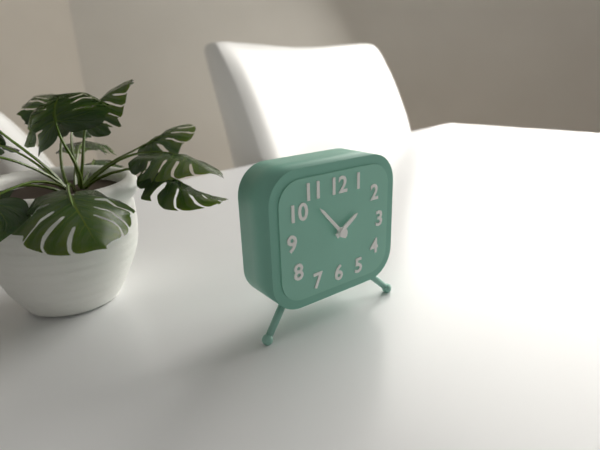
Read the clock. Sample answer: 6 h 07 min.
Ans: 1 h 53 min
